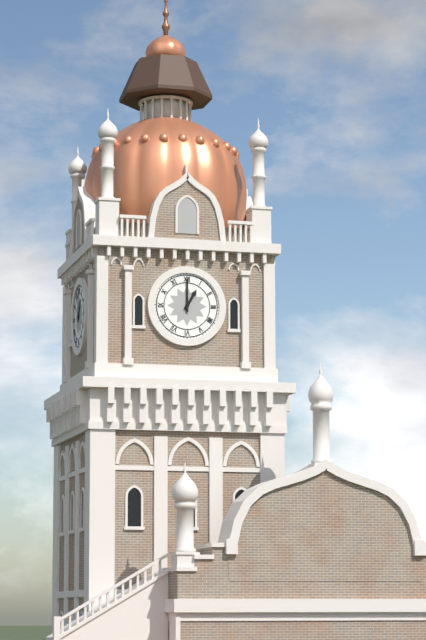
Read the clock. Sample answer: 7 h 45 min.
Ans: 1 h 00 min
